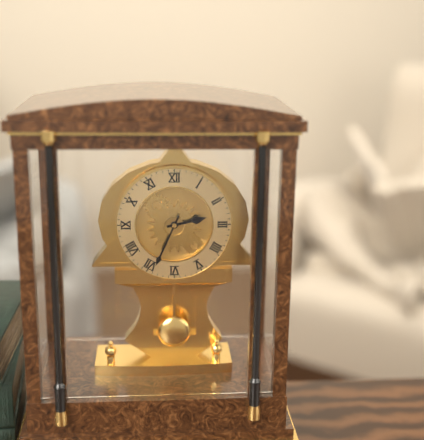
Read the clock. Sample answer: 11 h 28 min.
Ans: 2 h 34 min
